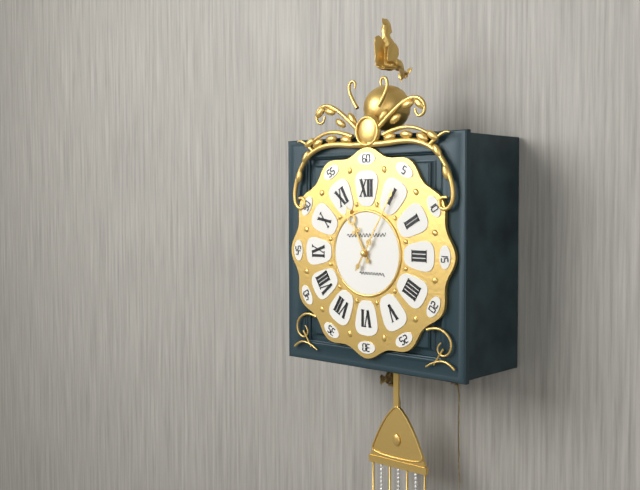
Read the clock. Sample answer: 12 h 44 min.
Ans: 11 h 05 min
